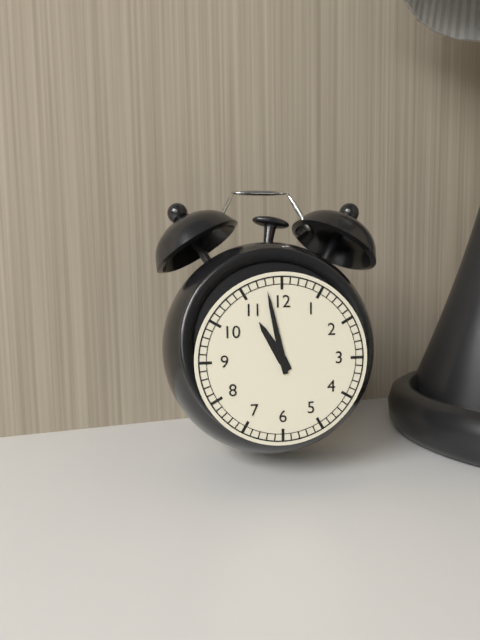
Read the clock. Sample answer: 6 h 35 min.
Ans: 10 h 58 min
